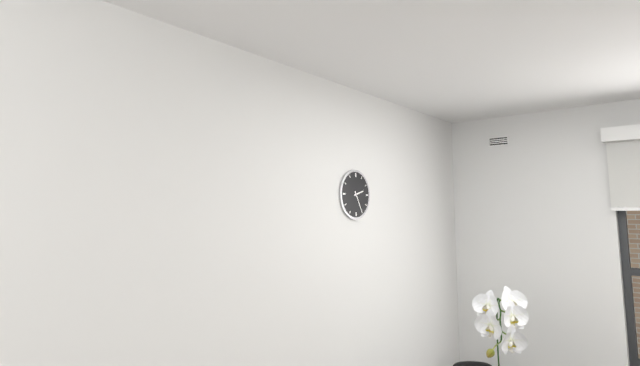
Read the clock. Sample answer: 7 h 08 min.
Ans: 2 h 25 min
